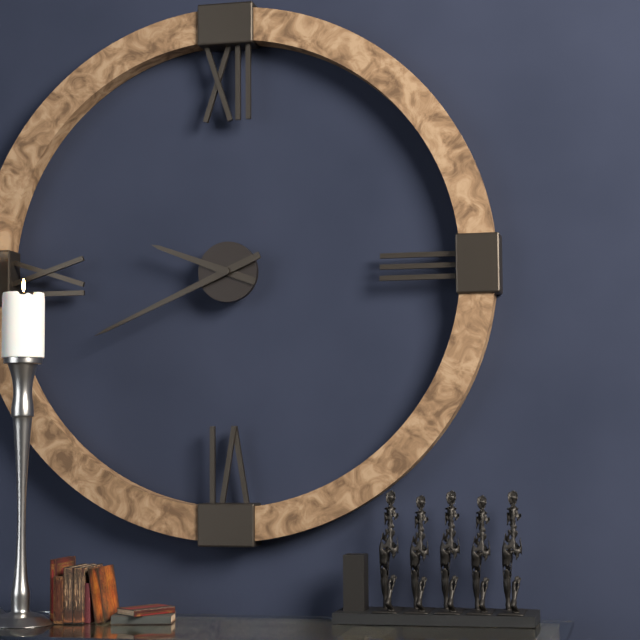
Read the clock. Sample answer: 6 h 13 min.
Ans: 9 h 41 min
